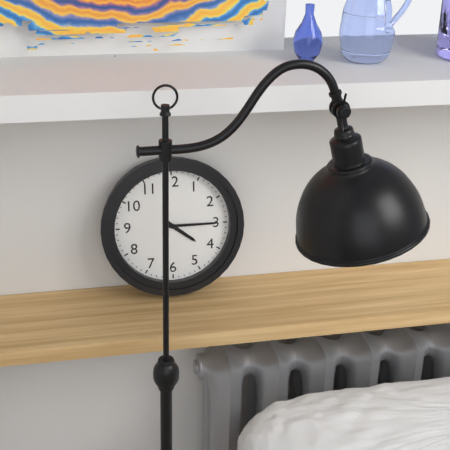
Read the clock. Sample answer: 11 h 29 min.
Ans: 4 h 15 min
